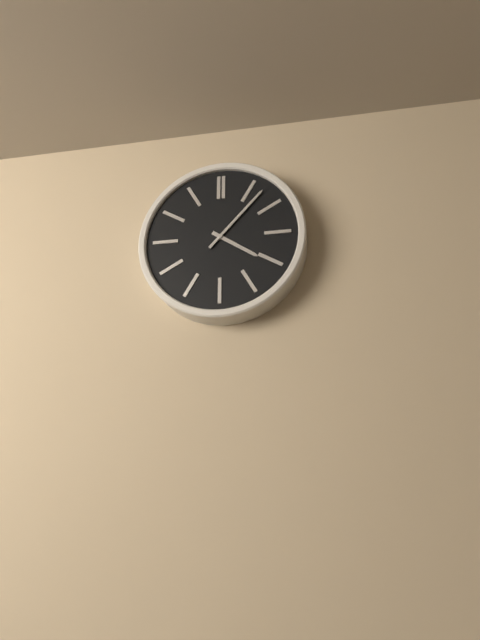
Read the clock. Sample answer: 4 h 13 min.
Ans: 4 h 07 min
